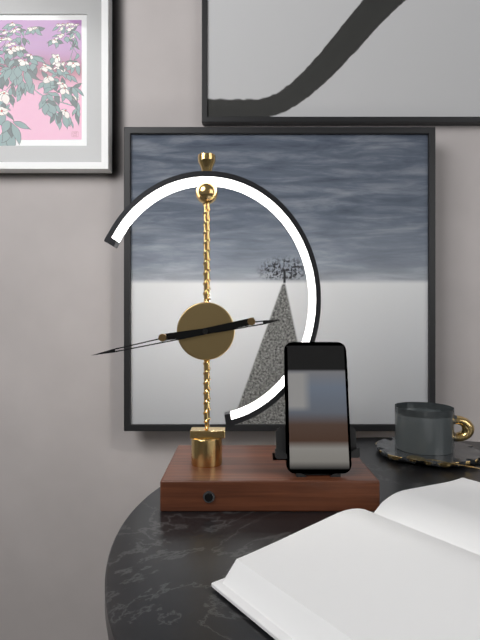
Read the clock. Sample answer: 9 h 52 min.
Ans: 2 h 43 min
